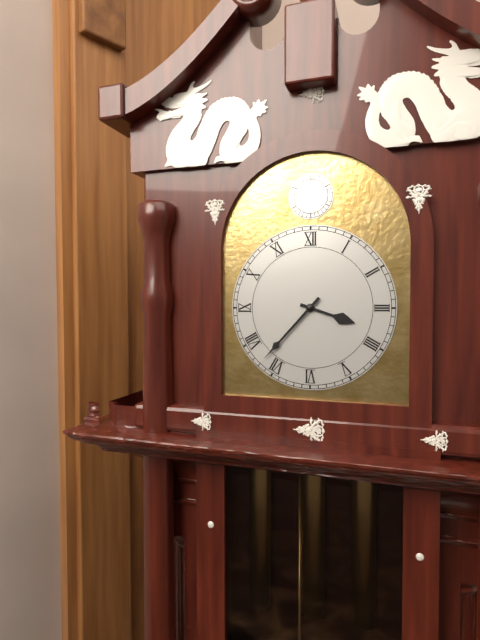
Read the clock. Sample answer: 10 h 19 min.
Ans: 3 h 37 min
